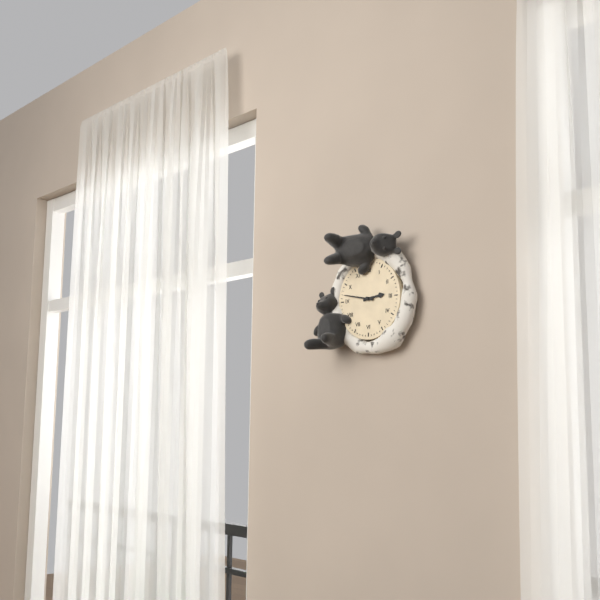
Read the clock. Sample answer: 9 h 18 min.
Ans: 2 h 47 min
